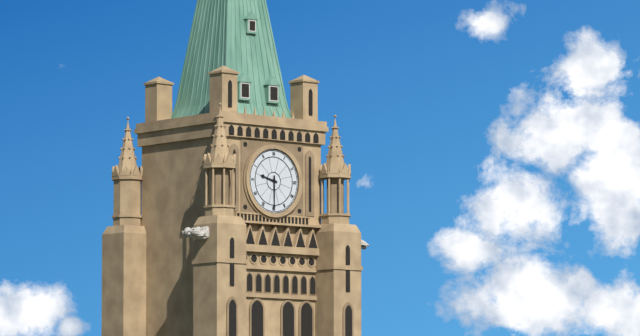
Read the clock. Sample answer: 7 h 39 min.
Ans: 9 h 30 min
